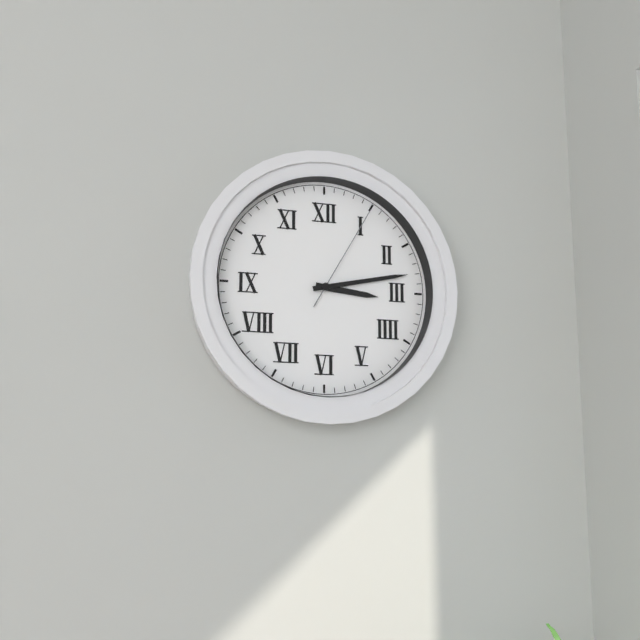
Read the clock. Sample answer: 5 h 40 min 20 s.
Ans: 3 h 13 min 05 s
